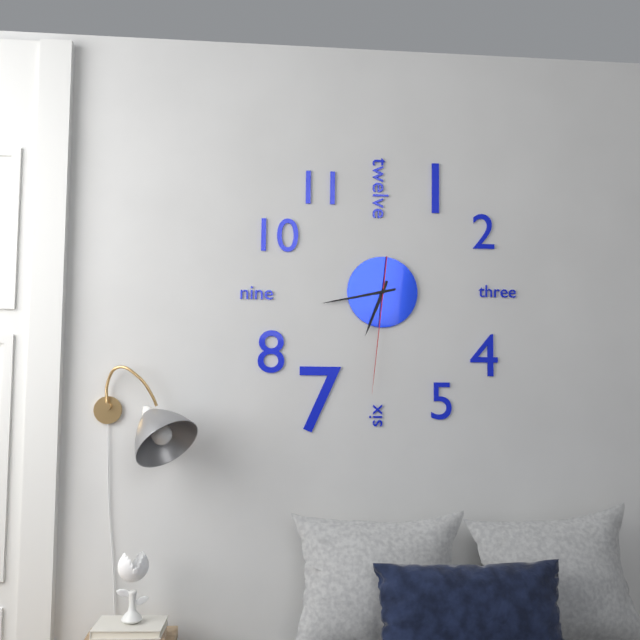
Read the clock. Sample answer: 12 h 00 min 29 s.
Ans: 6 h 43 min 31 s
